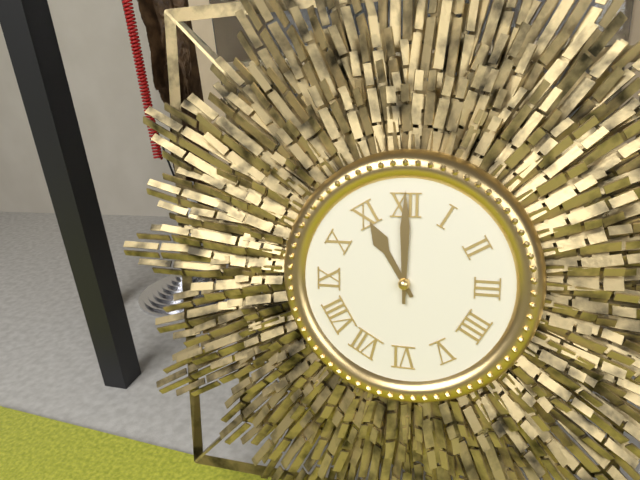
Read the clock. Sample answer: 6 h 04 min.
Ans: 11 h 00 min
